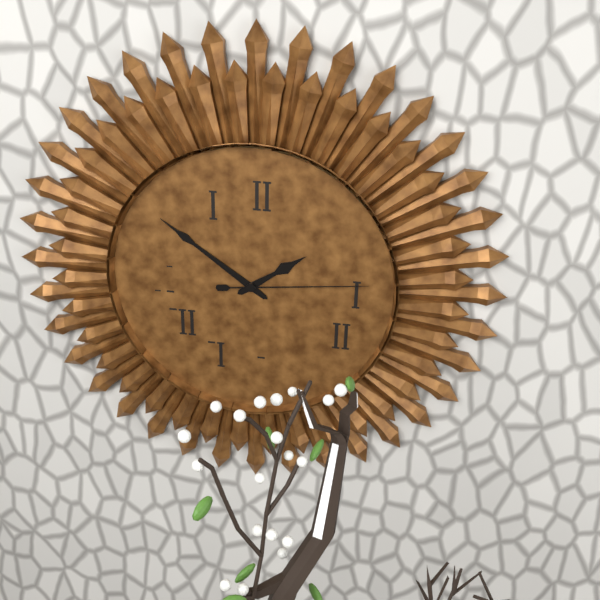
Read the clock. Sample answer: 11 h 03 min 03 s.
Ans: 1 h 51 min 14 s
